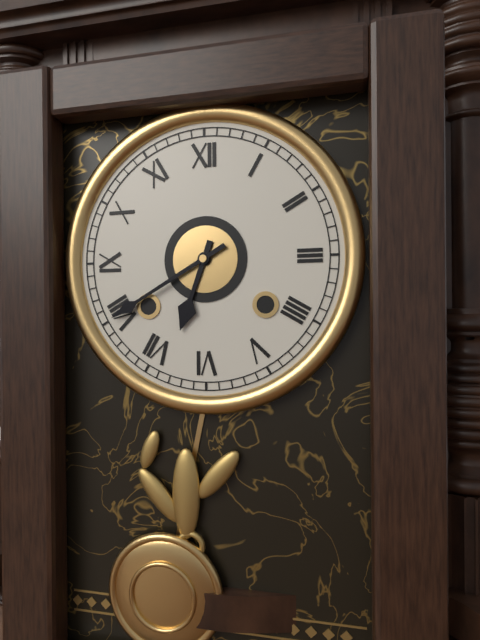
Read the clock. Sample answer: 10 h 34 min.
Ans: 6 h 40 min
